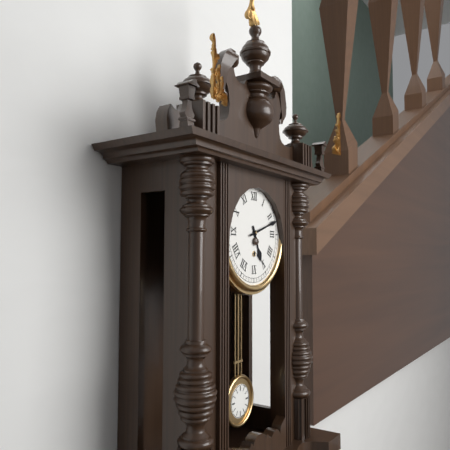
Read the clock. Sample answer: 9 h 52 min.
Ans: 5 h 12 min
